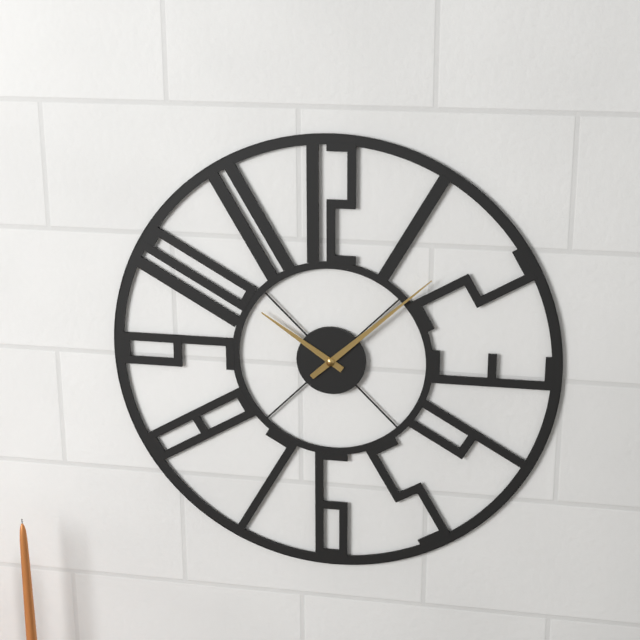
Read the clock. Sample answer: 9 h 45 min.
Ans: 10 h 08 min
